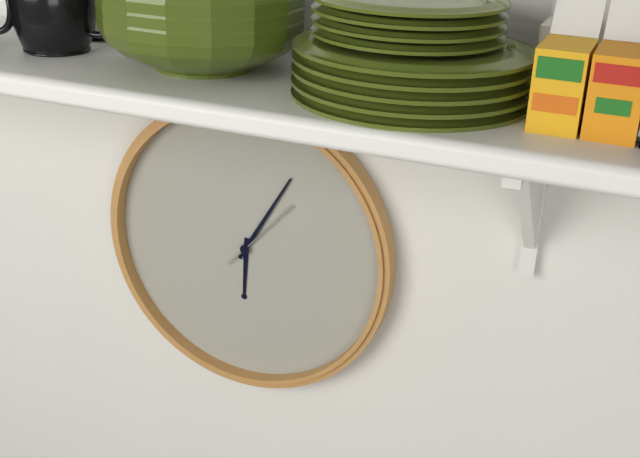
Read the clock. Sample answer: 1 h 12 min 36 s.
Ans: 6 h 05 min 07 s
